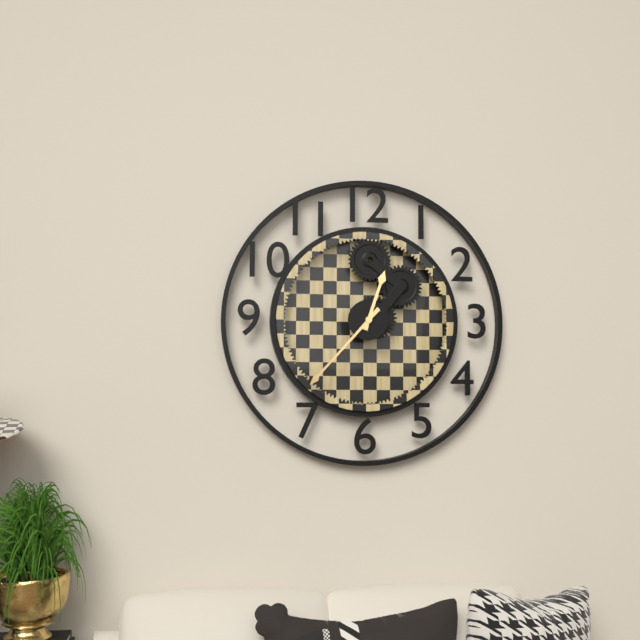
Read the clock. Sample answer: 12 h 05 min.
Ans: 12 h 37 min
